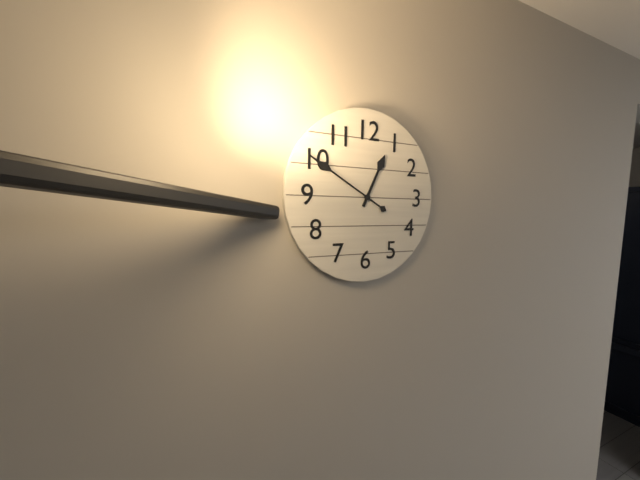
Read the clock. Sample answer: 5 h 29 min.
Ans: 12 h 50 min
